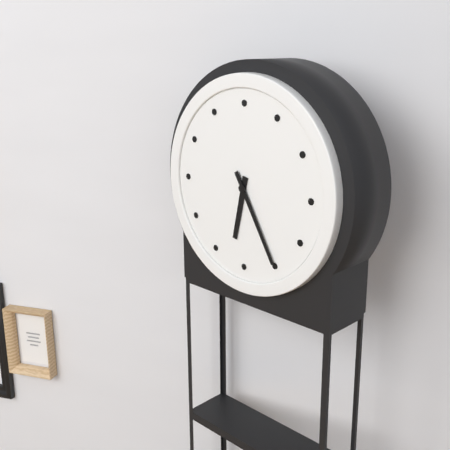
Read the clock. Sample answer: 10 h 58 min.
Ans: 6 h 25 min
